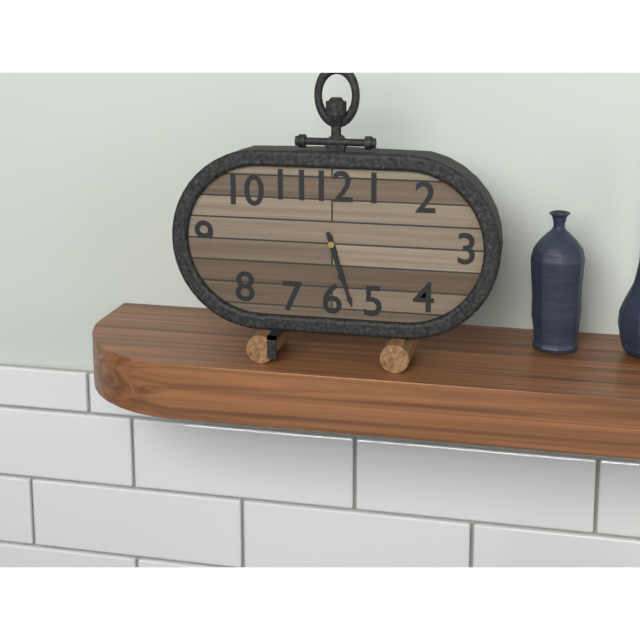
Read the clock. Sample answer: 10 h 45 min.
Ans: 5 h 27 min
